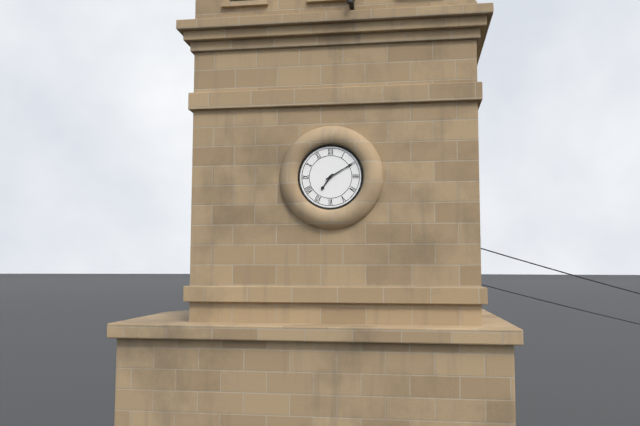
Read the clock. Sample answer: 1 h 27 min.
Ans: 7 h 10 min
